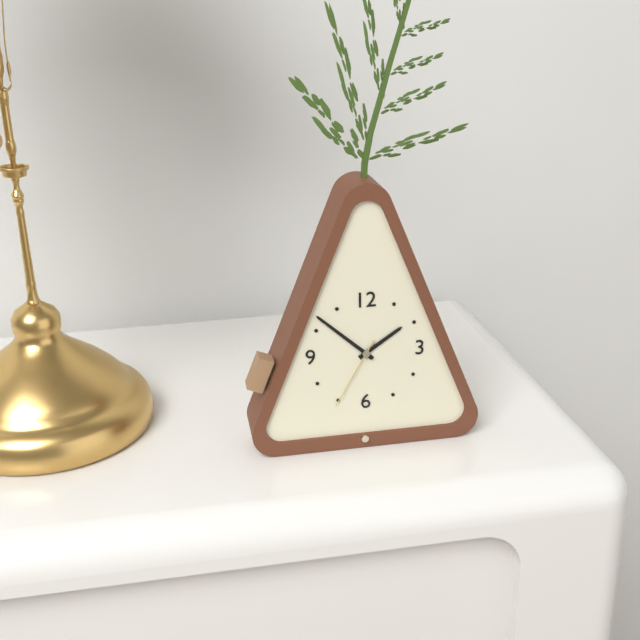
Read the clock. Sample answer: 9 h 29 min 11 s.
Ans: 1 h 52 min 35 s
